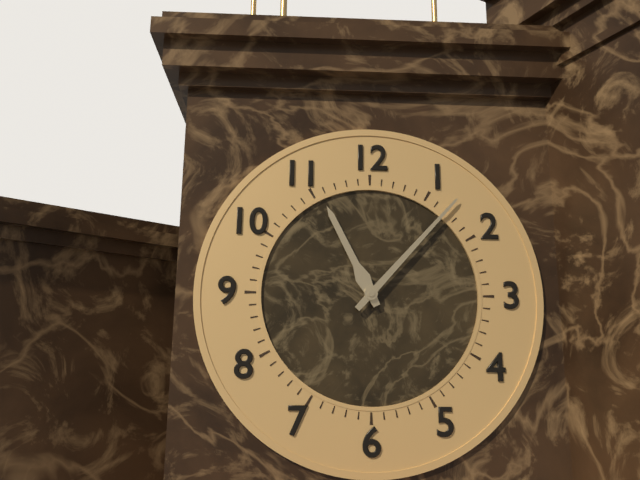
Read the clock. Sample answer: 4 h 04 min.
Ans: 11 h 07 min
